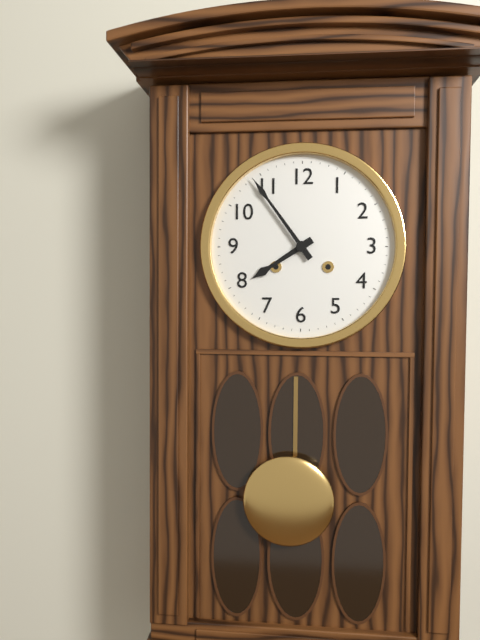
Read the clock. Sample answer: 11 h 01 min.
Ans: 7 h 54 min
